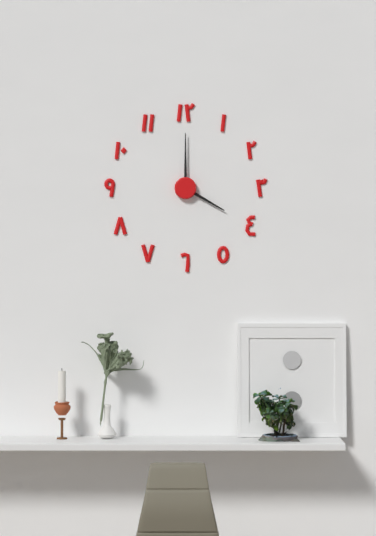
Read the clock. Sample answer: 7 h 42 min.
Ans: 4 h 00 min
